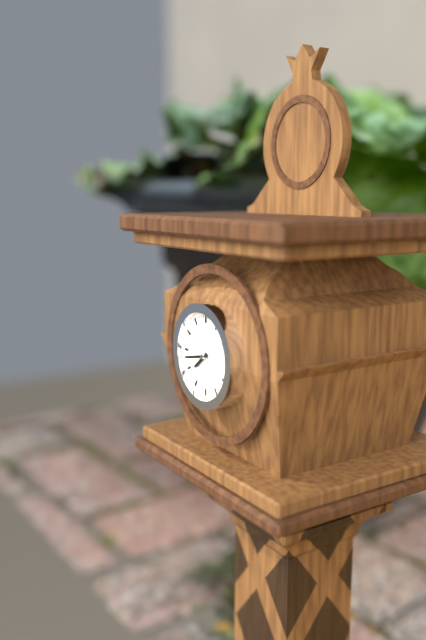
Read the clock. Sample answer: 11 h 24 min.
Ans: 7 h 43 min
